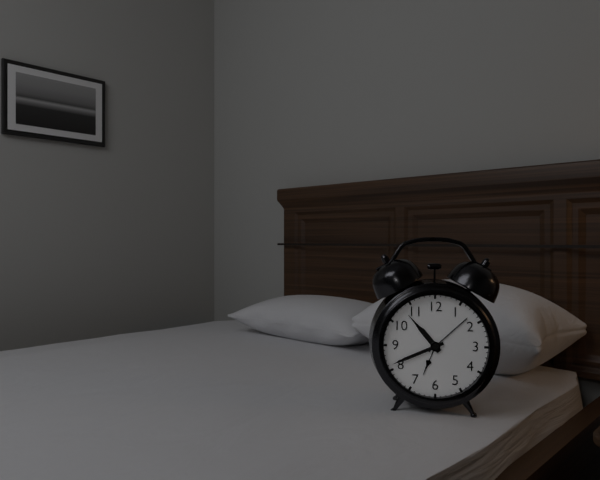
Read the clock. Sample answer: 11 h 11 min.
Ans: 10 h 41 min
